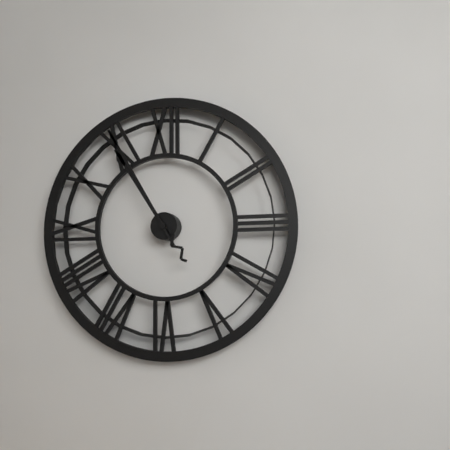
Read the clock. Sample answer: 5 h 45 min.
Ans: 10 h 55 min
